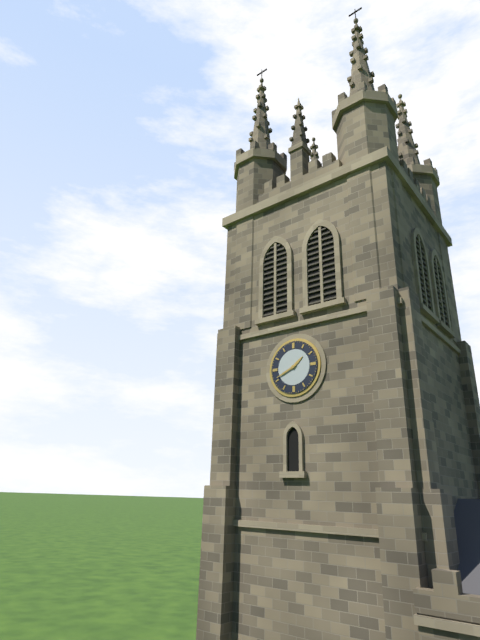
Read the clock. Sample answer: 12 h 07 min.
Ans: 1 h 41 min
